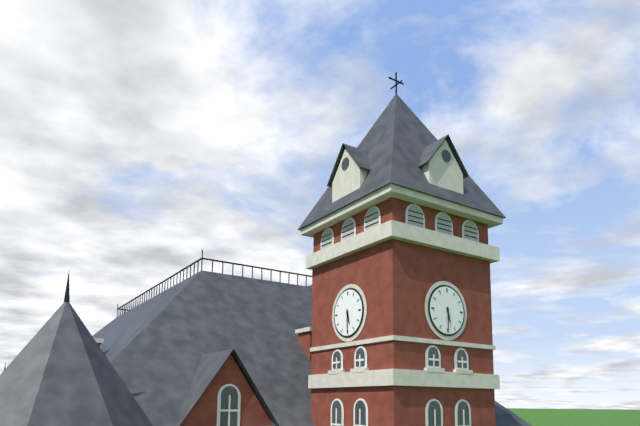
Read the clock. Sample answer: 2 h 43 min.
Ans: 5 h 30 min
